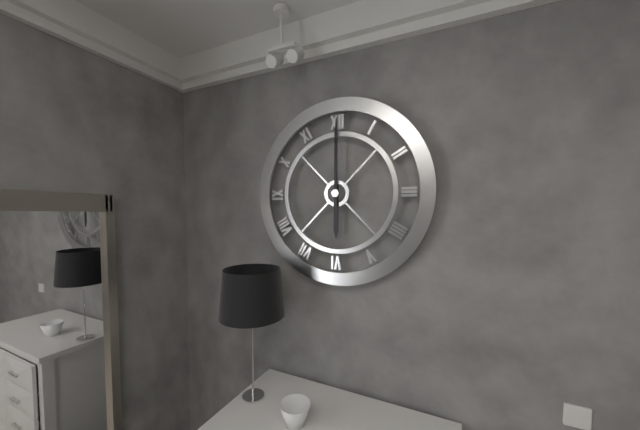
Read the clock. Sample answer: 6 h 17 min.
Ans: 6 h 00 min
